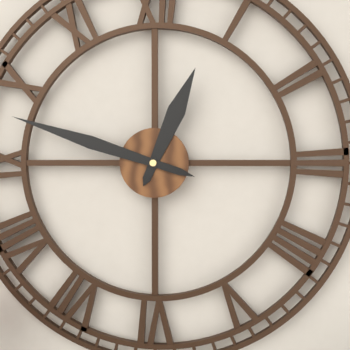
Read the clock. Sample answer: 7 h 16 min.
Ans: 12 h 48 min
